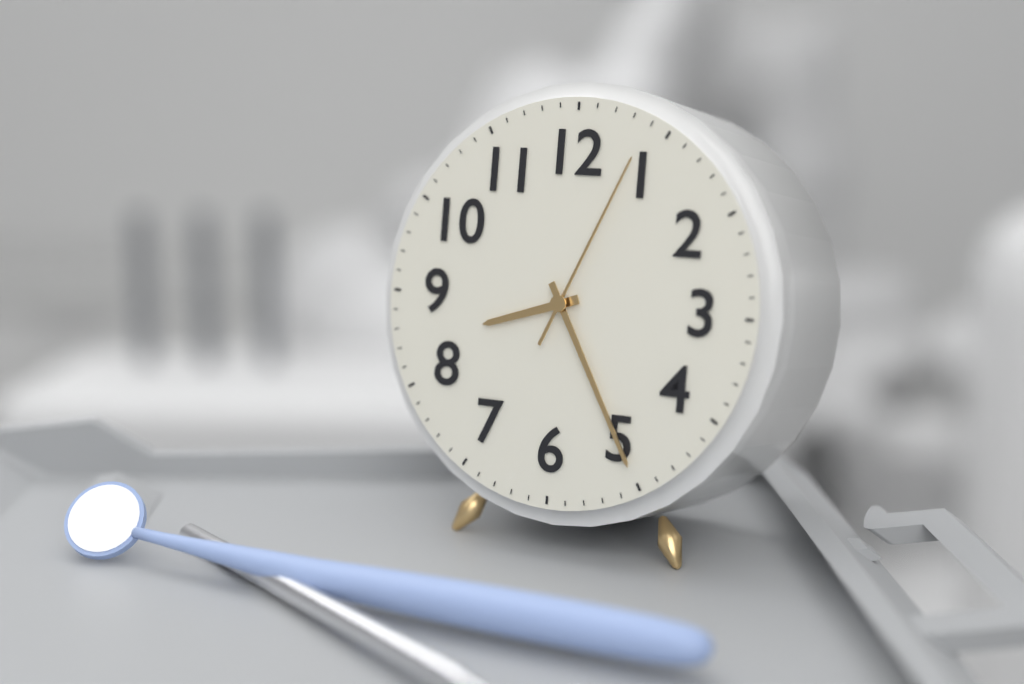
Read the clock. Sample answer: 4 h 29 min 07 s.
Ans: 8 h 25 min 04 s
